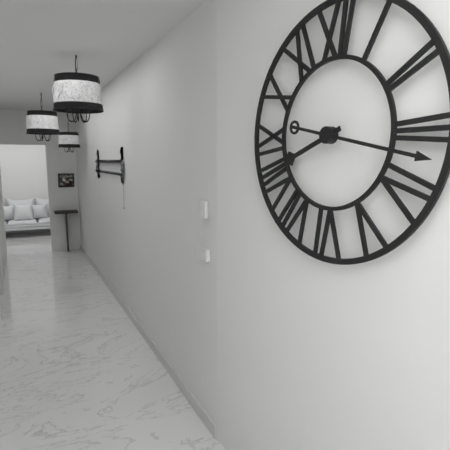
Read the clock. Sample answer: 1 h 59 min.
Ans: 8 h 17 min
